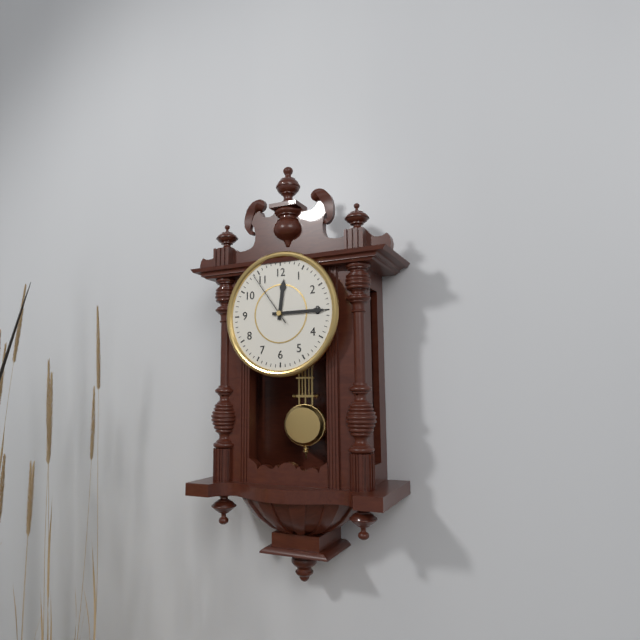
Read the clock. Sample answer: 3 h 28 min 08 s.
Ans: 12 h 15 min 54 s
